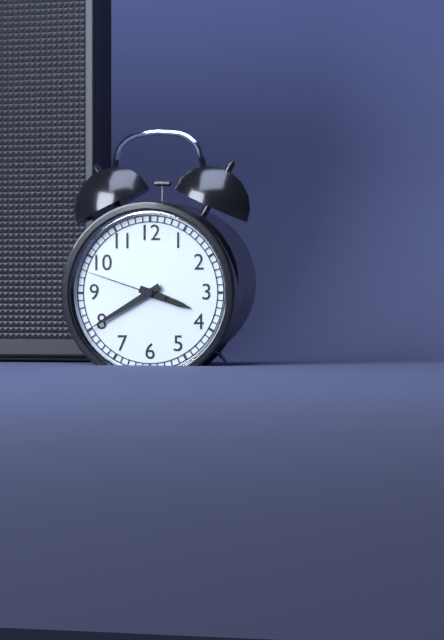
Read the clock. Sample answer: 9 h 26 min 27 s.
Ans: 3 h 40 min 48 s
